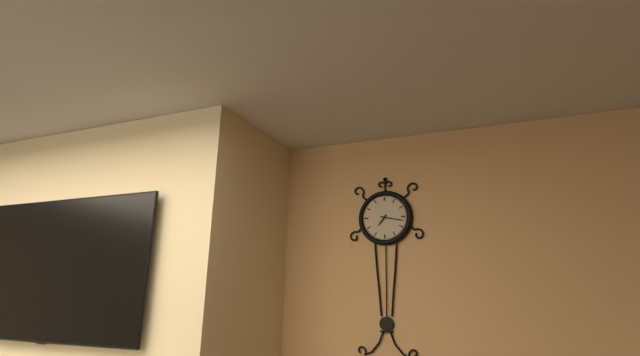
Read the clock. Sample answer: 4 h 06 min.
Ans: 7 h 17 min
